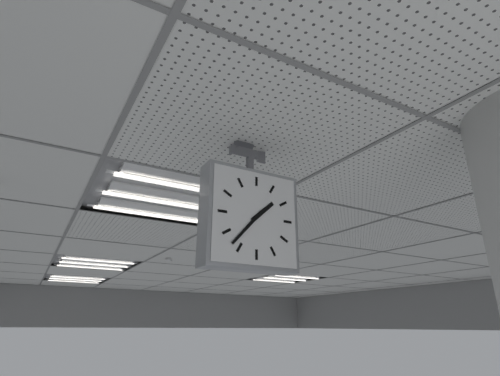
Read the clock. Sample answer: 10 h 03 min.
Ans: 1 h 37 min
